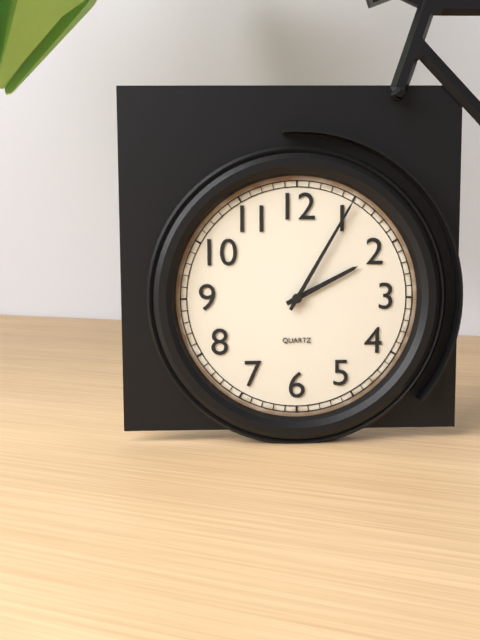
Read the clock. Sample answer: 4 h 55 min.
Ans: 2 h 05 min
